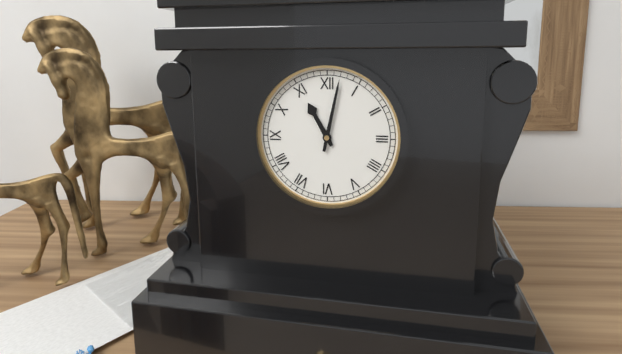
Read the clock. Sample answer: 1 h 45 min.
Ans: 11 h 02 min
